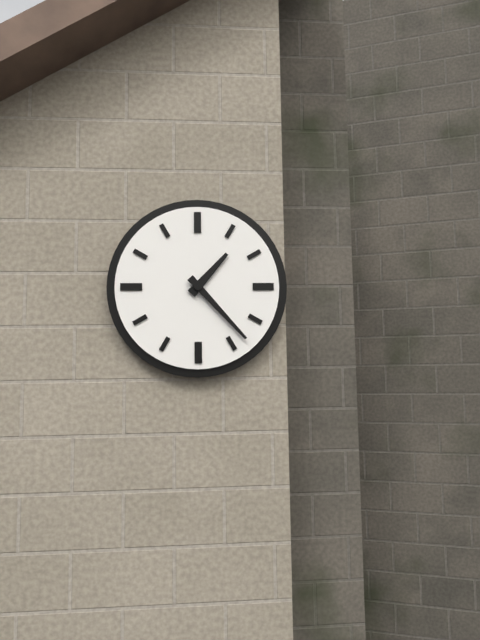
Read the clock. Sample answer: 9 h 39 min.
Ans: 1 h 23 min
